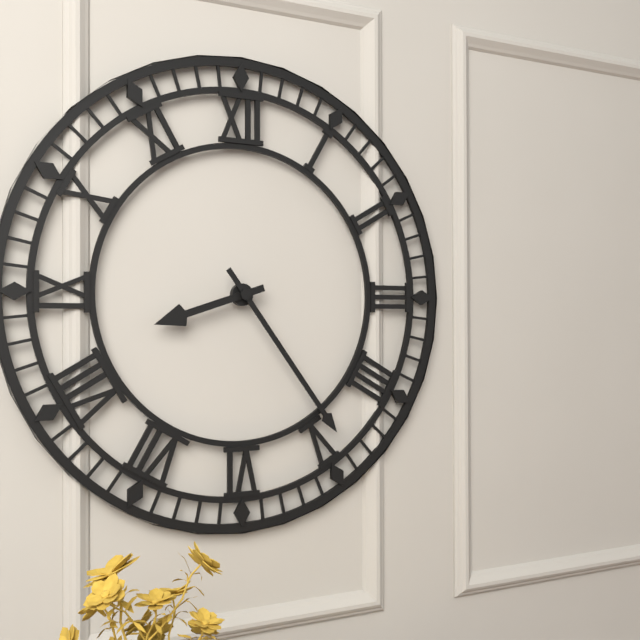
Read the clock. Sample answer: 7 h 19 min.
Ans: 8 h 24 min
